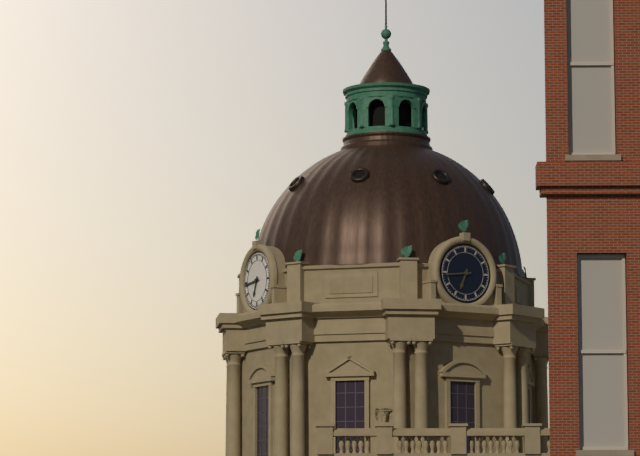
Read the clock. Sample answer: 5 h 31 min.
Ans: 6 h 44 min
